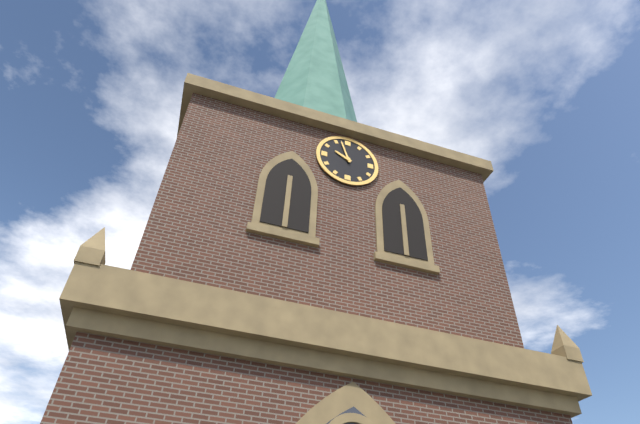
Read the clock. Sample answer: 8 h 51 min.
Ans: 9 h 57 min
